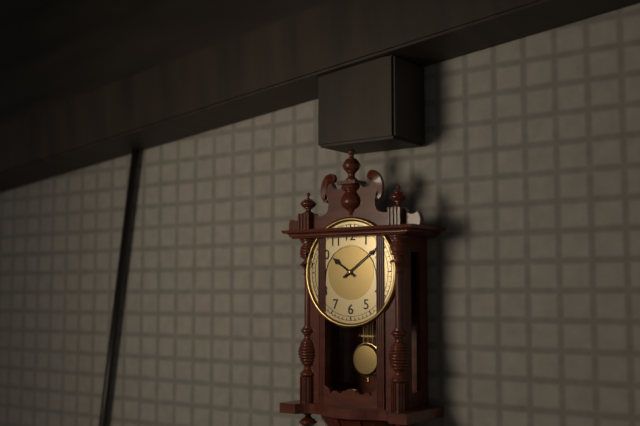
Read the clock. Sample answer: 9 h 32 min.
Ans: 10 h 09 min
